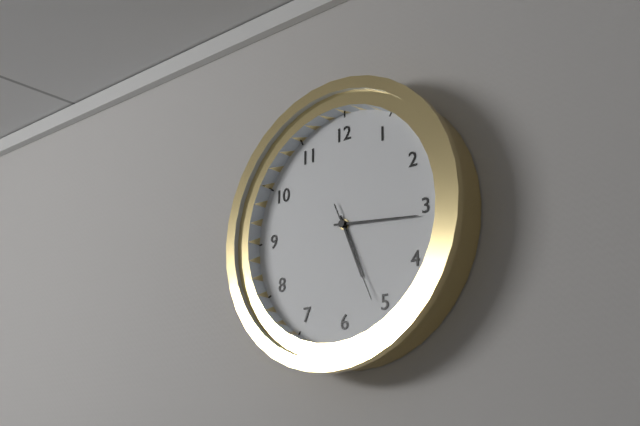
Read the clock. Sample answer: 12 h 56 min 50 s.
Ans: 5 h 16 min 26 s
